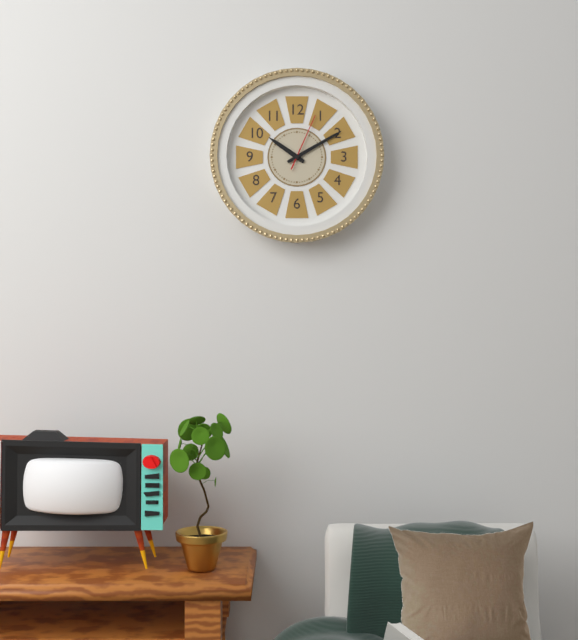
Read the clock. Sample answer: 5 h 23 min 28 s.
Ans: 10 h 10 min 04 s
